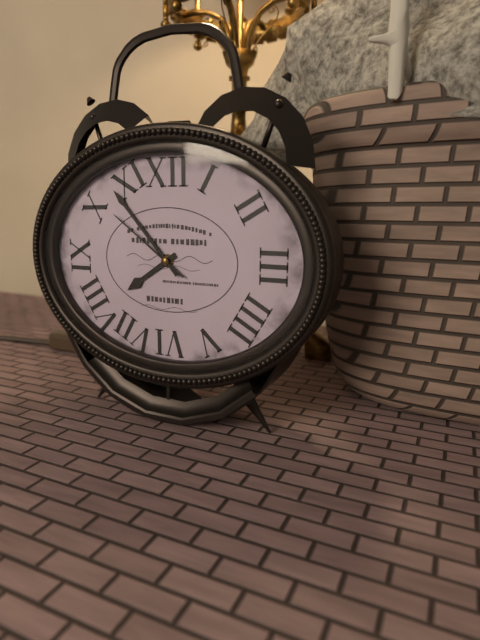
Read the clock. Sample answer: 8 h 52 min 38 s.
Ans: 7 h 53 min 51 s
